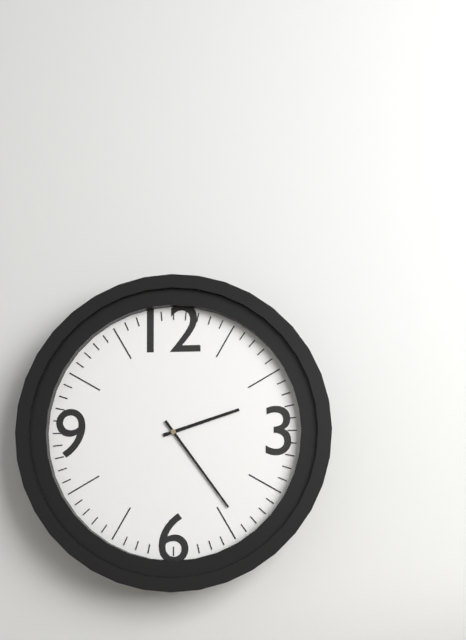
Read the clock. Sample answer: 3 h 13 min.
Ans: 2 h 24 min
